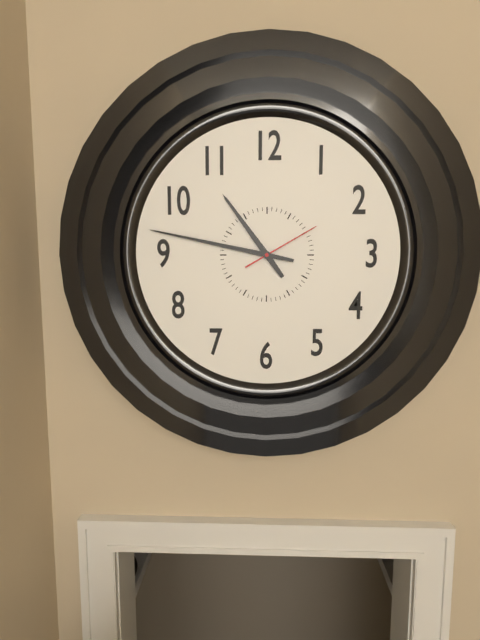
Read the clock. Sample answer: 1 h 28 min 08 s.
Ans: 10 h 47 min 10 s
